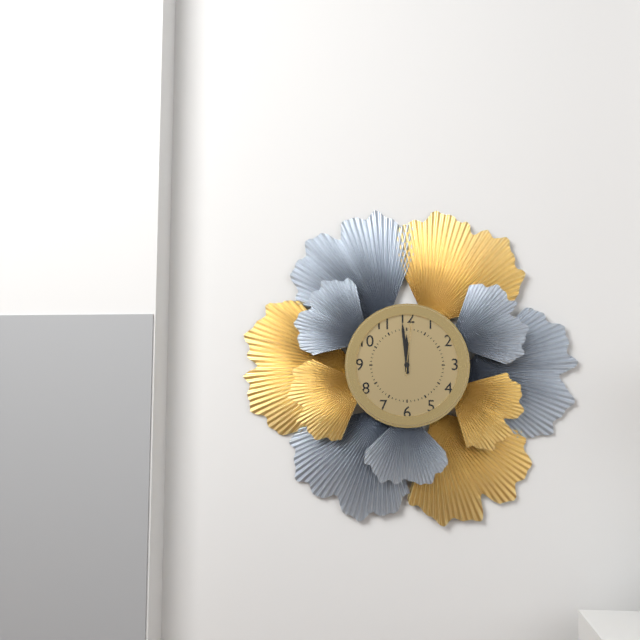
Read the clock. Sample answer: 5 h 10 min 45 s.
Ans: 11 h 59 min 01 s
